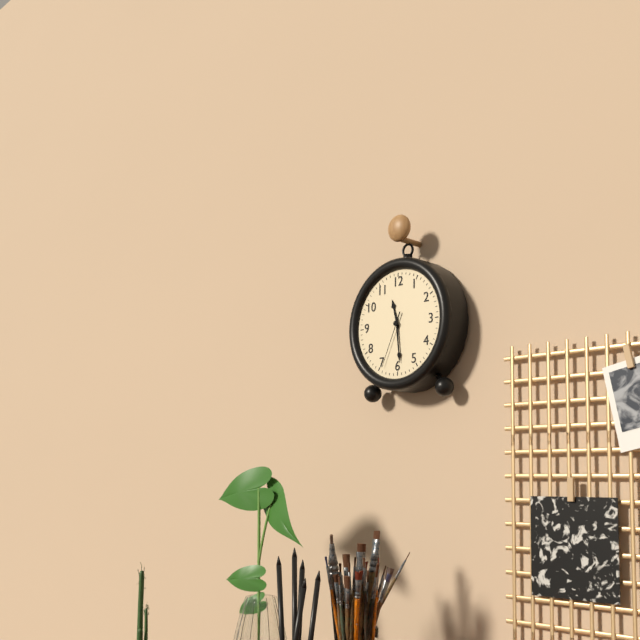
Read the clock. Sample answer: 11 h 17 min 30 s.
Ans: 11 h 29 min 34 s
